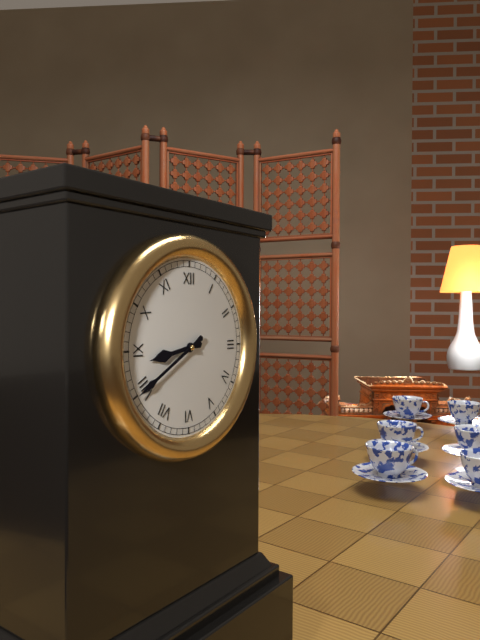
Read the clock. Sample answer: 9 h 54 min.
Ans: 8 h 40 min
